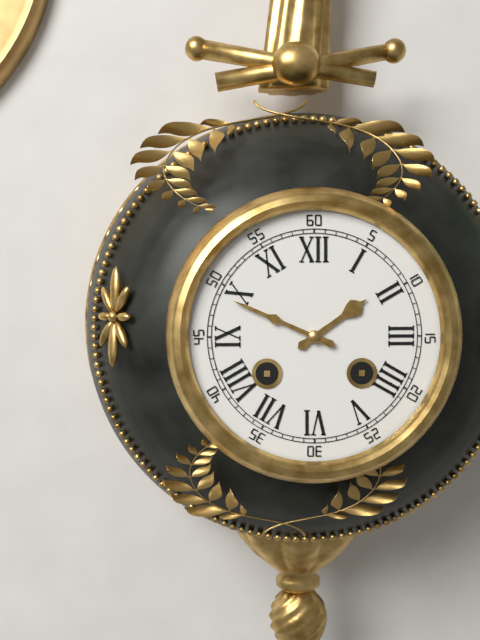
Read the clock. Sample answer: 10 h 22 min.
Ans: 1 h 49 min
